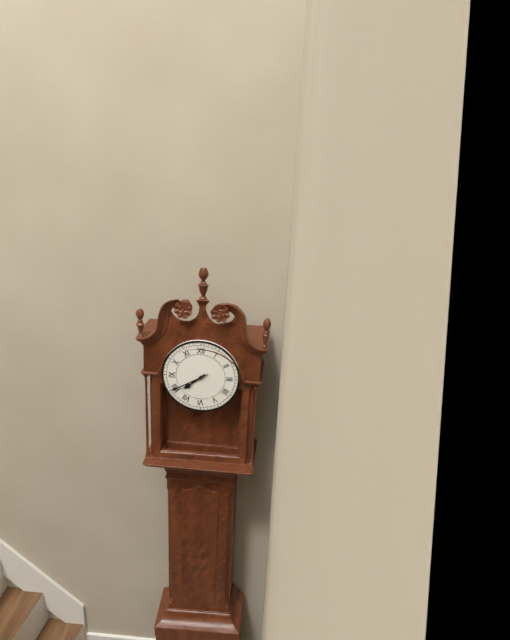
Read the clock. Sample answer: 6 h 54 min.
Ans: 7 h 40 min
